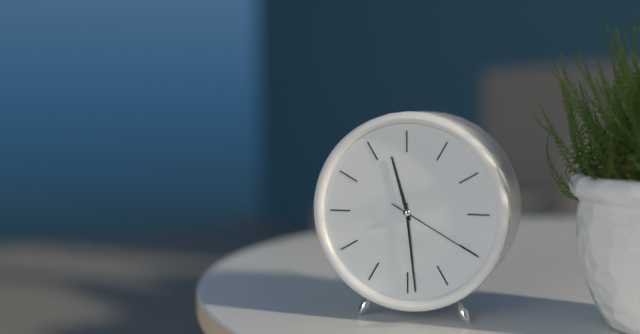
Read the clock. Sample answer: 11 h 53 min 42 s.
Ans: 11 h 29 min 20 s
